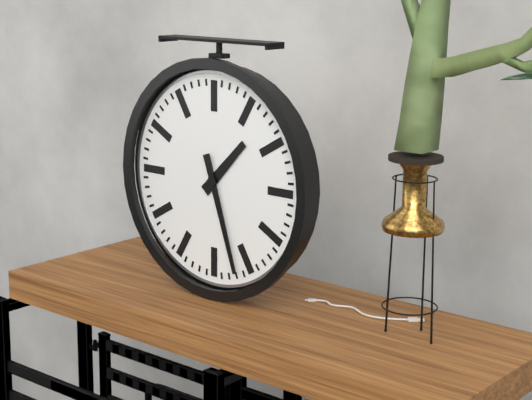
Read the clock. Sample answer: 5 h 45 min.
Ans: 1 h 27 min
